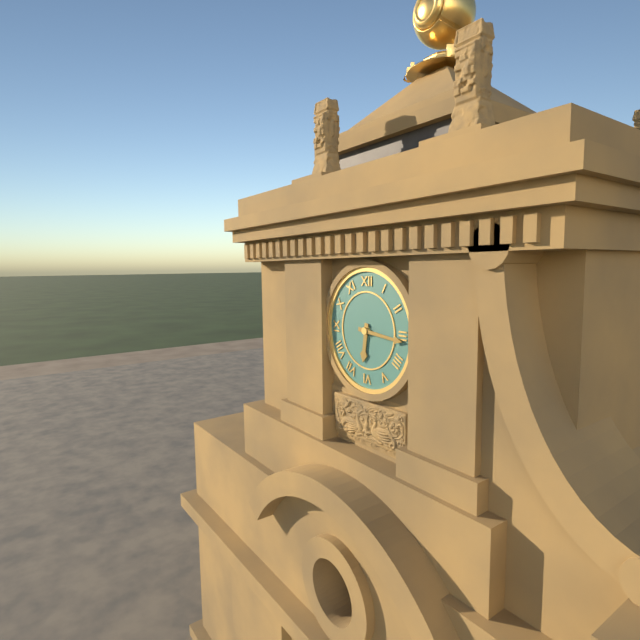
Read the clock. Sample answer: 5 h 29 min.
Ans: 6 h 16 min
